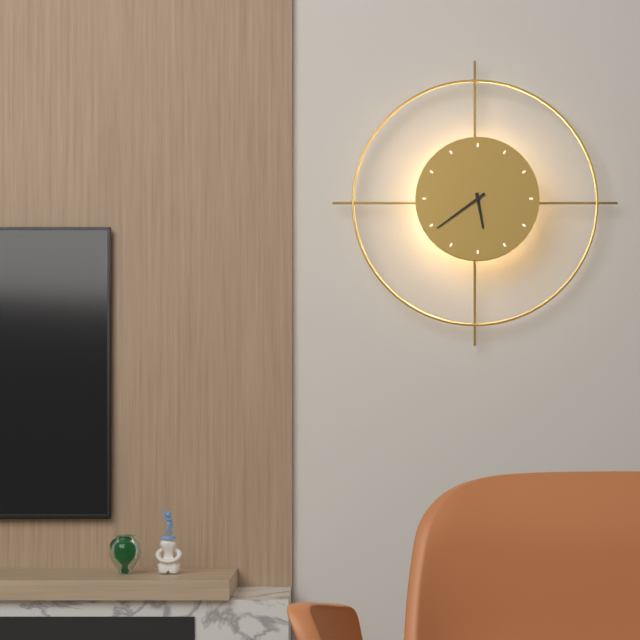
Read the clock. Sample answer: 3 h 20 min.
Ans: 5 h 39 min
